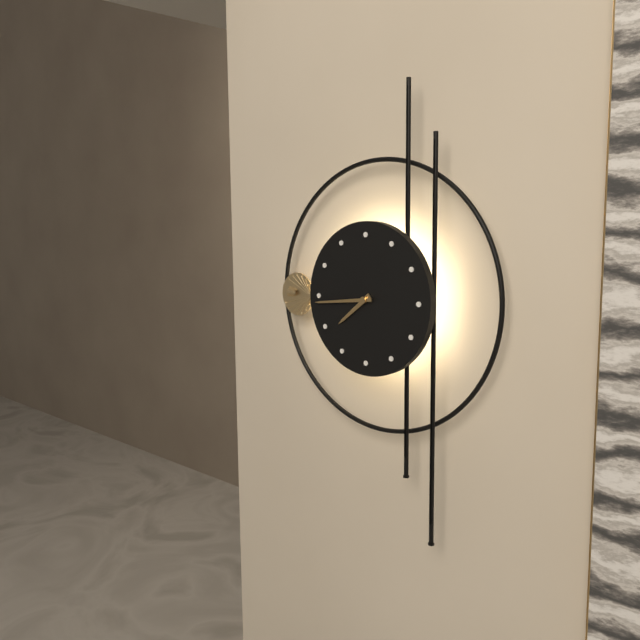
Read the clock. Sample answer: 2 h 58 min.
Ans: 7 h 44 min
